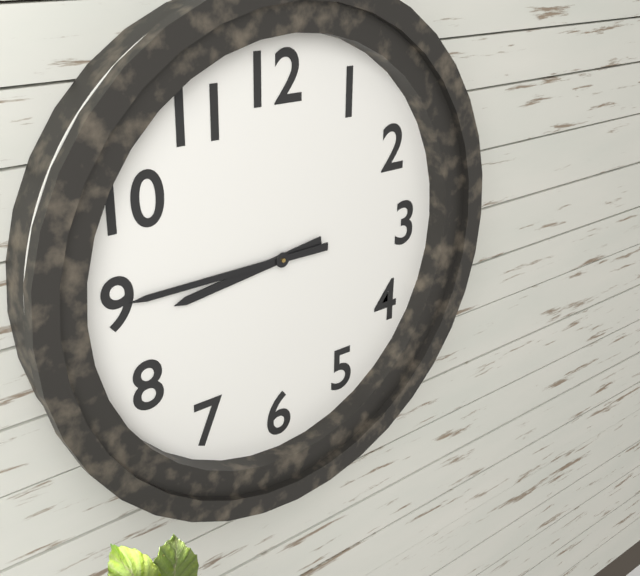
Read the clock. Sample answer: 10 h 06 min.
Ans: 8 h 45 min
